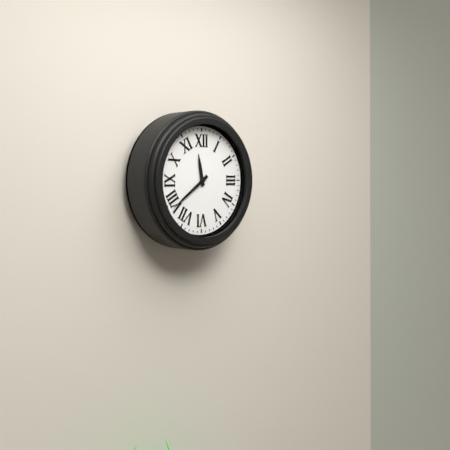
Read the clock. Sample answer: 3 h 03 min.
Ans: 11 h 39 min
